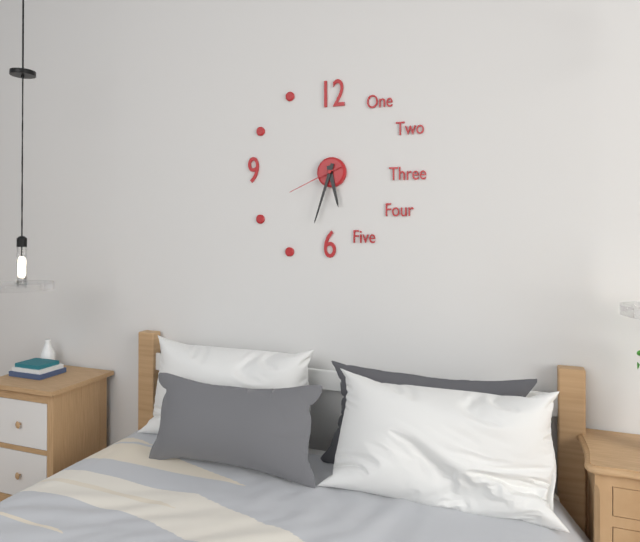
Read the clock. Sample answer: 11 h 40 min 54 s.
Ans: 5 h 33 min 41 s
